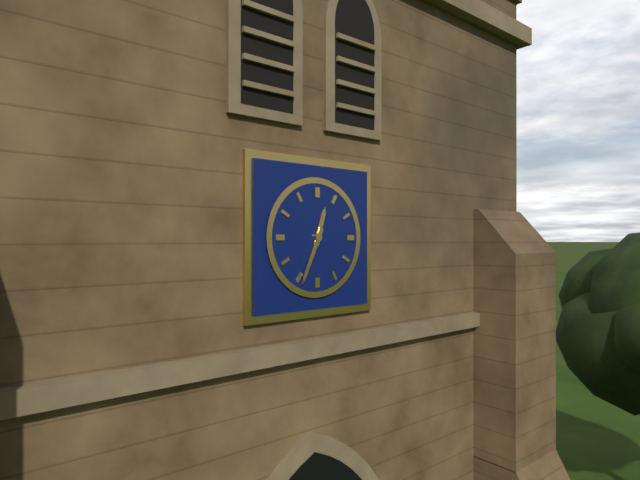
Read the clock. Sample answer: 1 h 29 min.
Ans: 12 h 34 min
